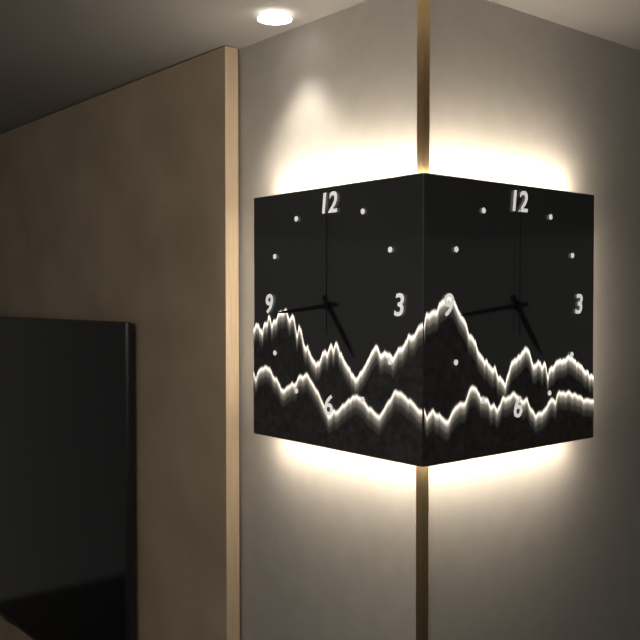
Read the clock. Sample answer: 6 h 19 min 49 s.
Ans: 4 h 44 min 00 s
